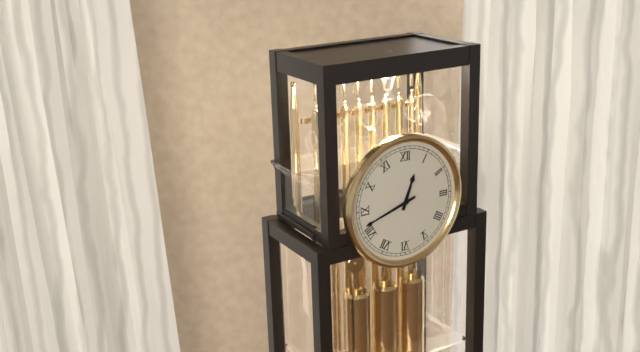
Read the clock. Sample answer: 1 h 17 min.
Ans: 12 h 42 min
